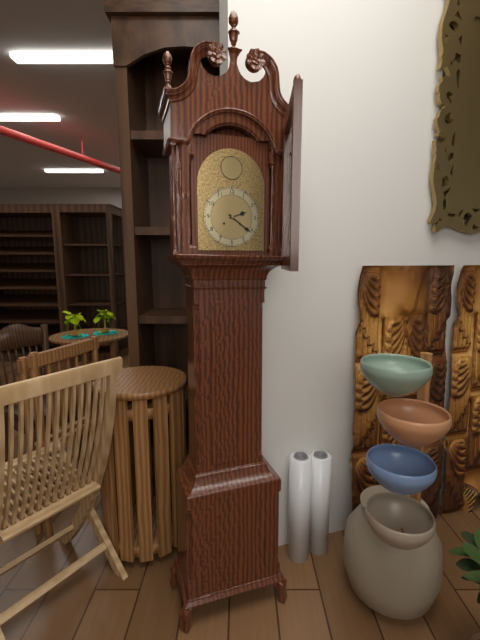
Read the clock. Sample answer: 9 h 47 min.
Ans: 2 h 21 min
